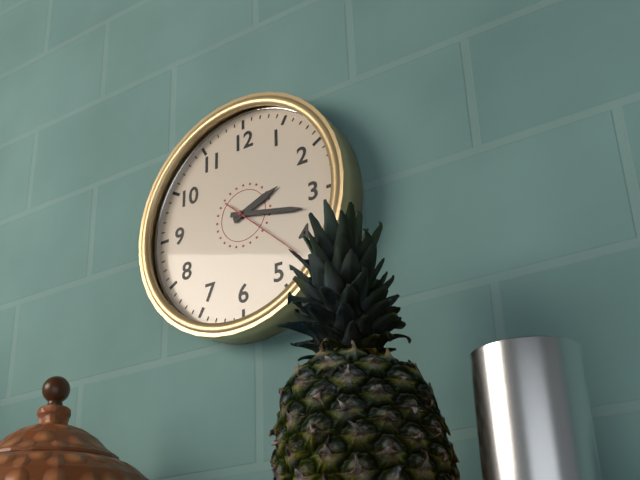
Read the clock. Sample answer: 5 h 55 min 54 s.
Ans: 2 h 17 min 22 s
